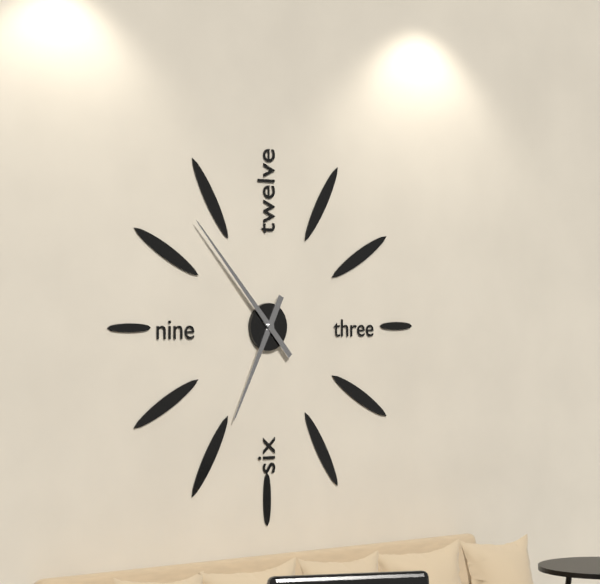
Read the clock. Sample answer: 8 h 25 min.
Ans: 6 h 53 min
